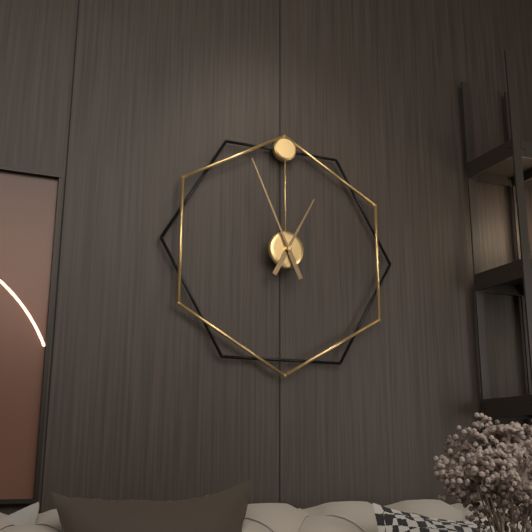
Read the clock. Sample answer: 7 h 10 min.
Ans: 12 h 56 min
